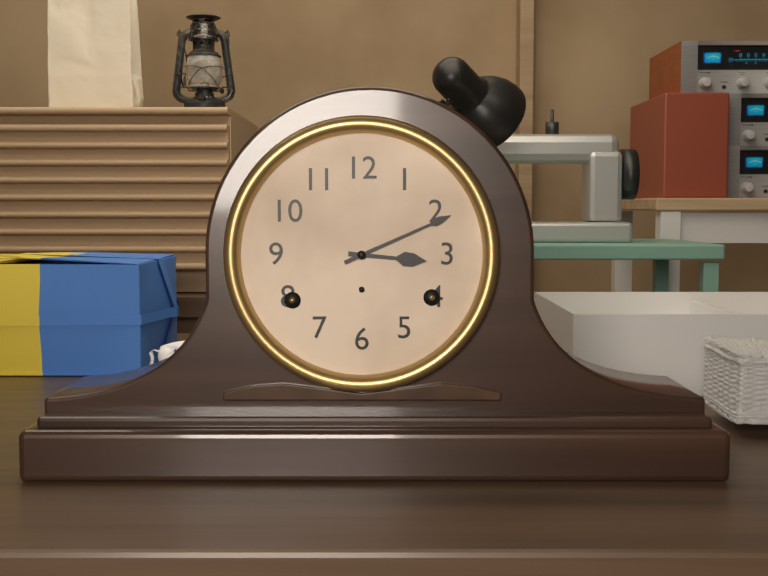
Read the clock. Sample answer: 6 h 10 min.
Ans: 3 h 11 min
